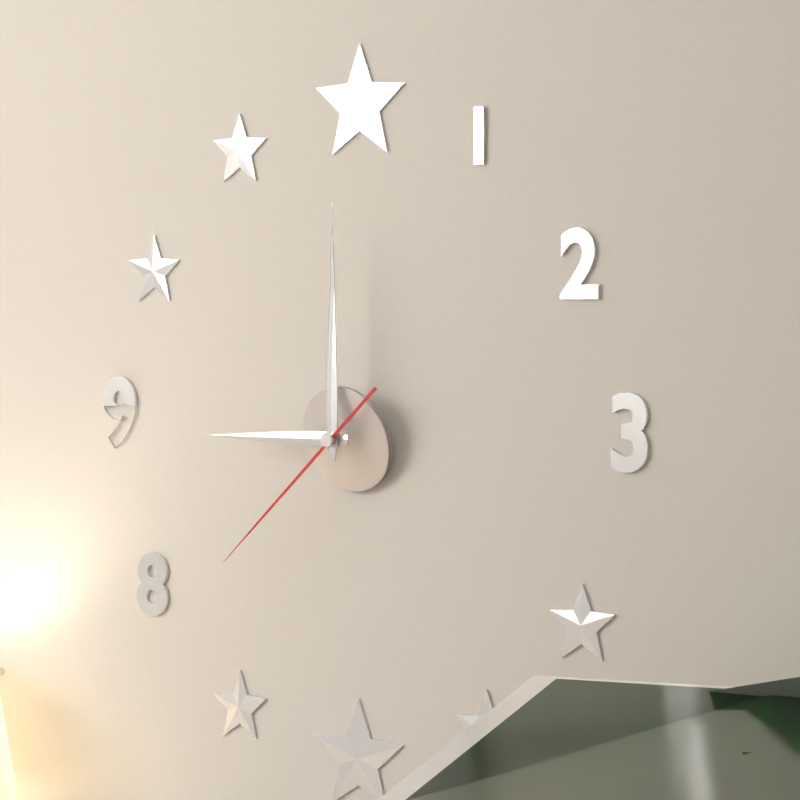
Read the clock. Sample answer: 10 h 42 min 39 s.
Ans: 9 h 00 min 38 s
